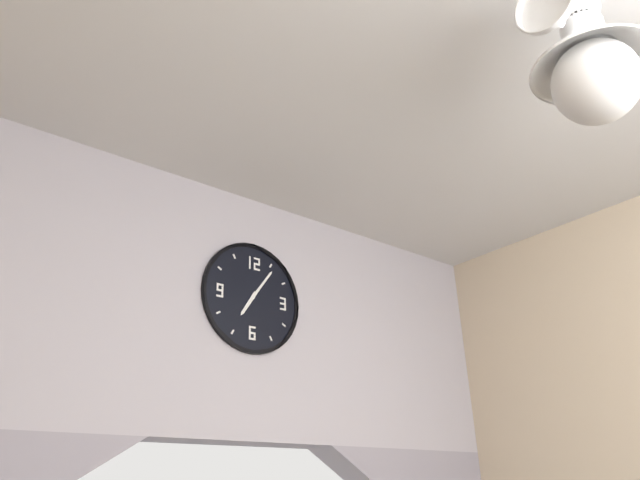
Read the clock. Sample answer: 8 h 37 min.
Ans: 7 h 06 min
